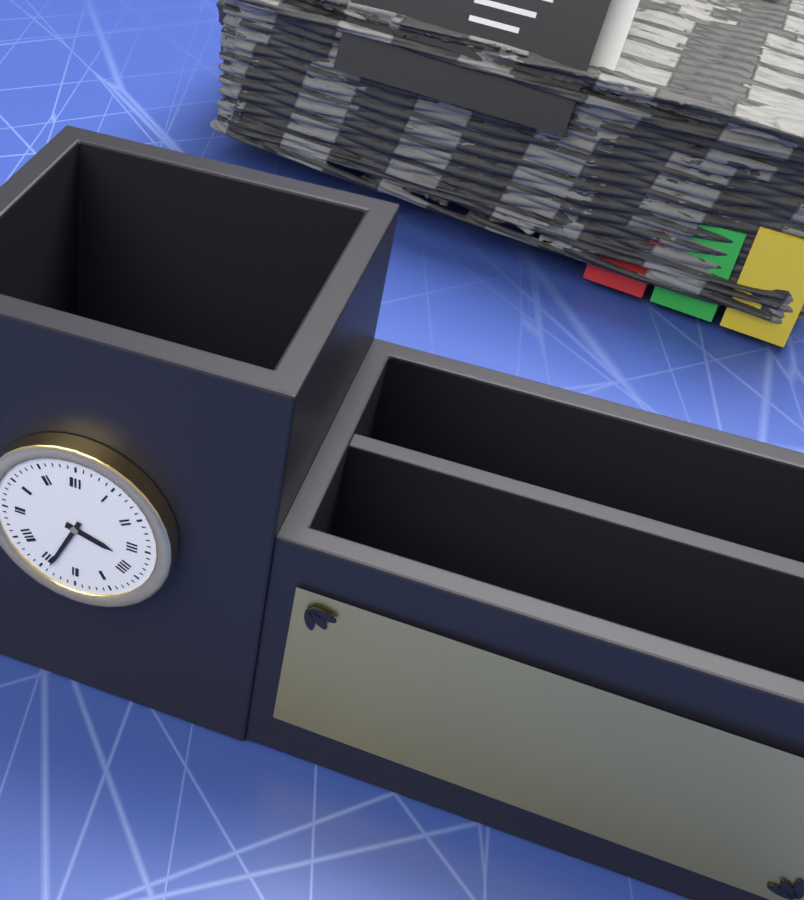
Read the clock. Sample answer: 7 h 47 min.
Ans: 3 h 34 min
